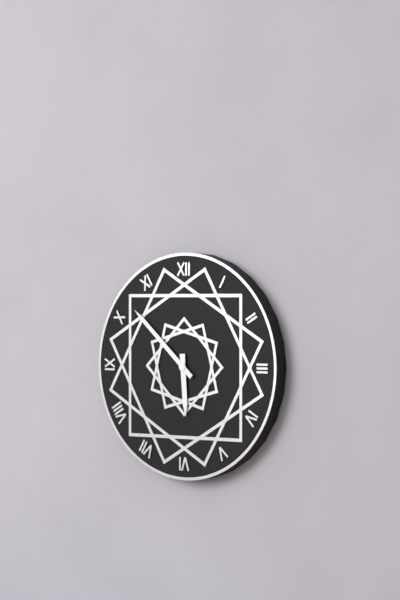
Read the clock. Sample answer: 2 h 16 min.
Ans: 5 h 52 min
